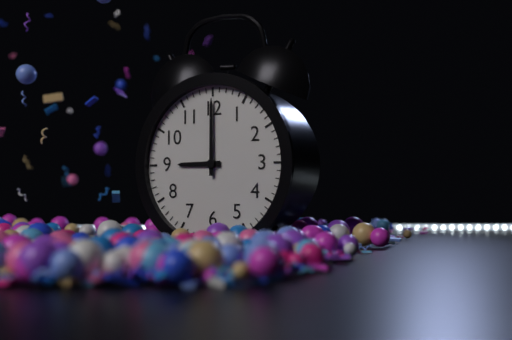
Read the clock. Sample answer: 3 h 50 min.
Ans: 9 h 00 min
